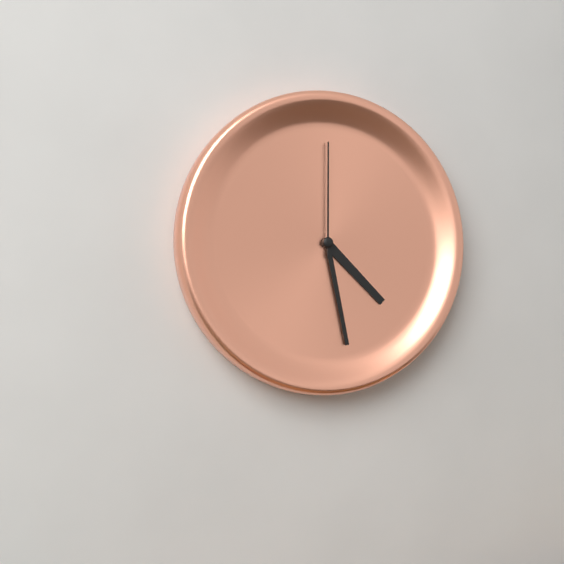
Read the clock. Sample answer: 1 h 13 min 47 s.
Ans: 4 h 28 min 00 s
